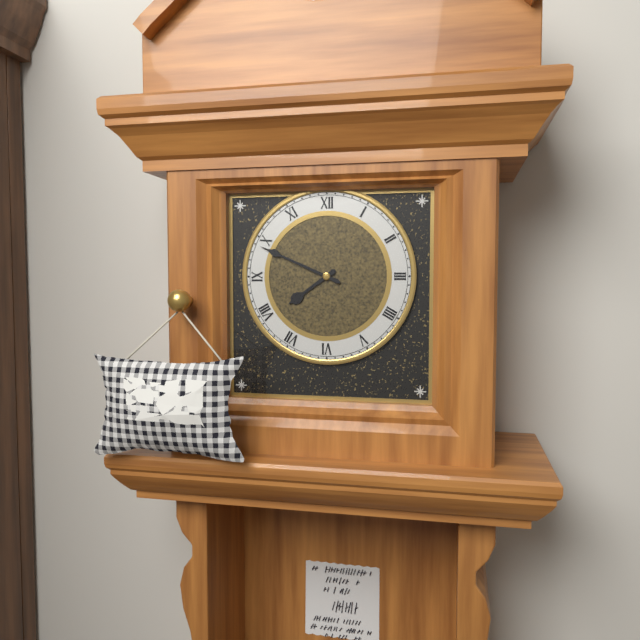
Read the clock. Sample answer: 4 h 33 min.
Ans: 7 h 49 min
